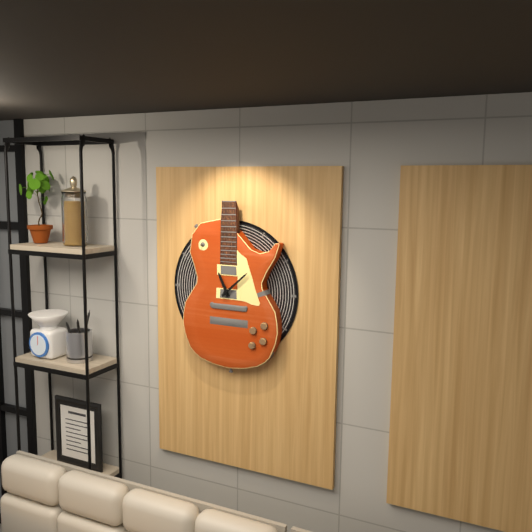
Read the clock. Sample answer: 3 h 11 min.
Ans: 11 h 08 min
